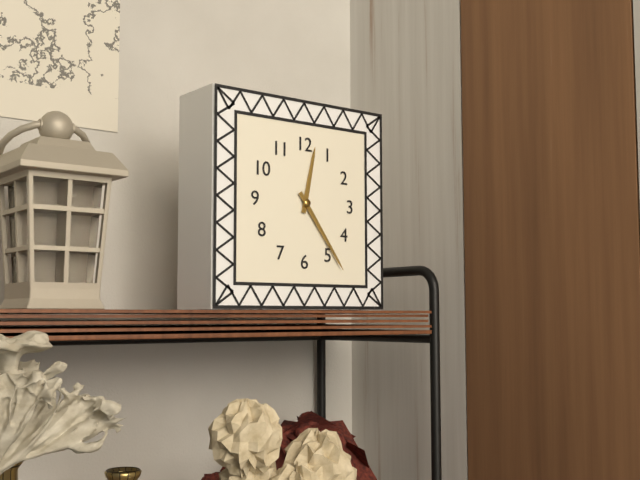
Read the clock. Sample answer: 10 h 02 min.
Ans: 12 h 24 min
